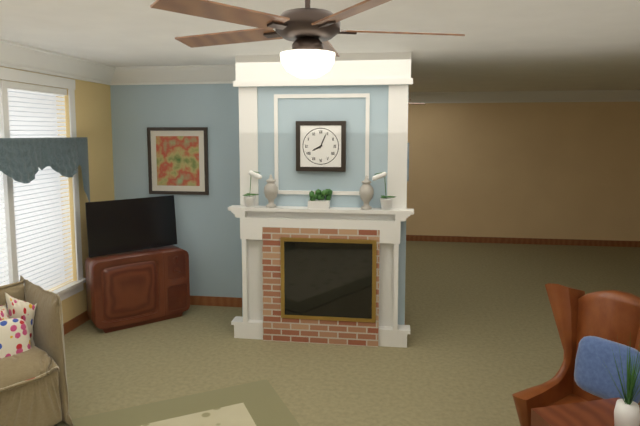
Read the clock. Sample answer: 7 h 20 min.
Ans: 8 h 04 min
